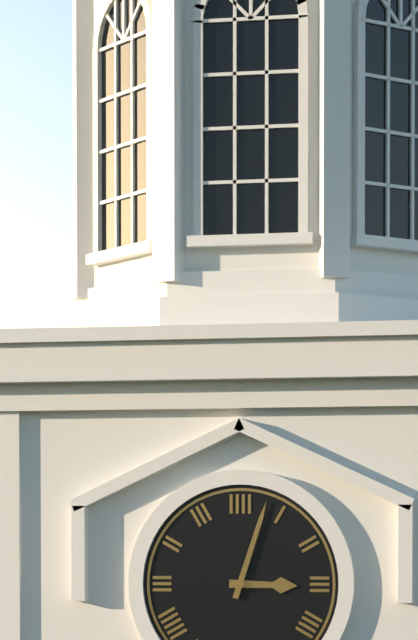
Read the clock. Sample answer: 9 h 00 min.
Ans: 3 h 03 min
